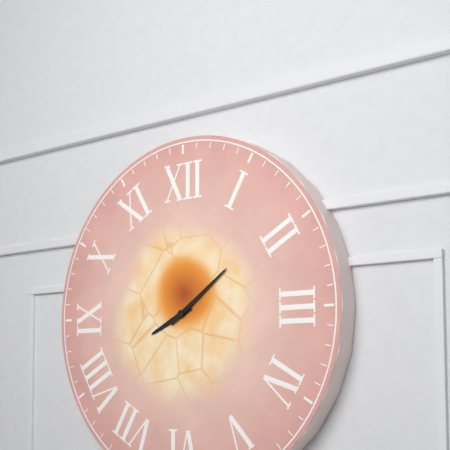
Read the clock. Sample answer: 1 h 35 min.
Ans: 8 h 09 min
